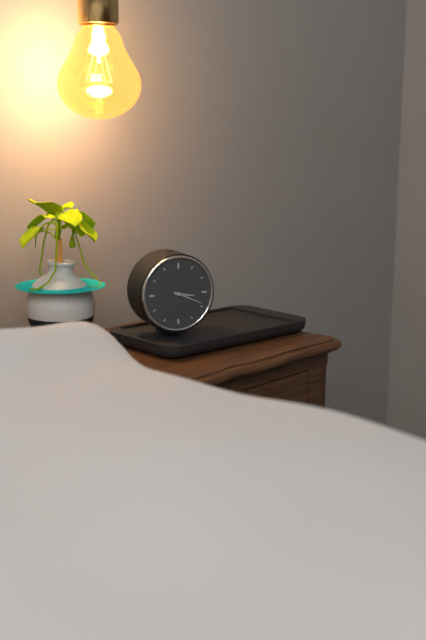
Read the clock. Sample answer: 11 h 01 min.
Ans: 3 h 19 min
